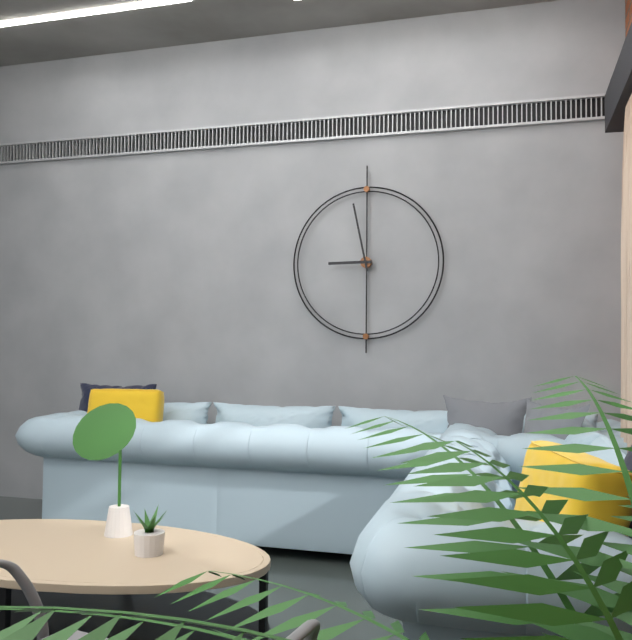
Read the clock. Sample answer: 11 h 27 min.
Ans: 8 h 58 min
